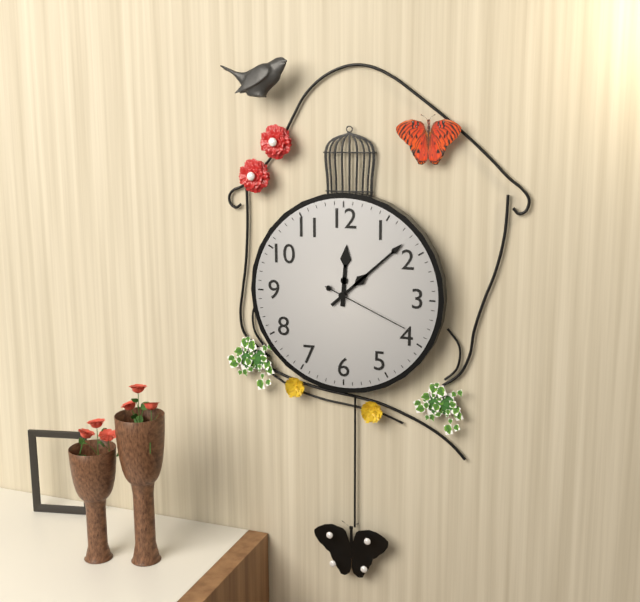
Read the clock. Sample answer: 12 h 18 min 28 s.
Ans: 12 h 08 min 19 s
